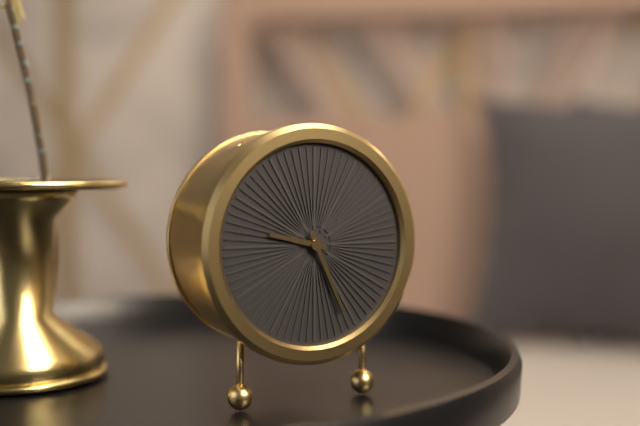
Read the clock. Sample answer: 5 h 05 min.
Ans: 9 h 26 min
